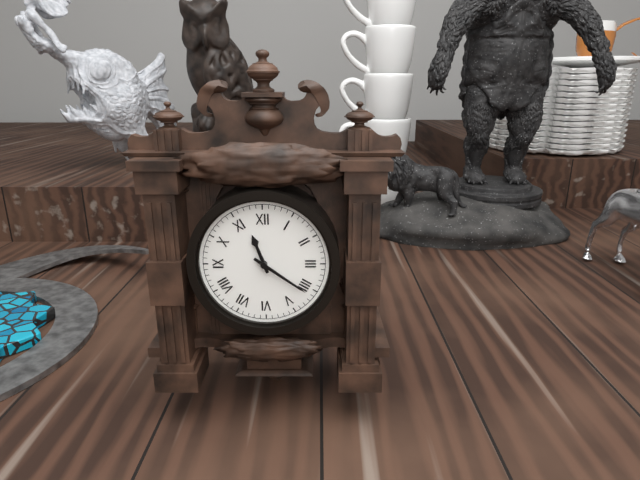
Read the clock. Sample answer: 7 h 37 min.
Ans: 11 h 21 min
